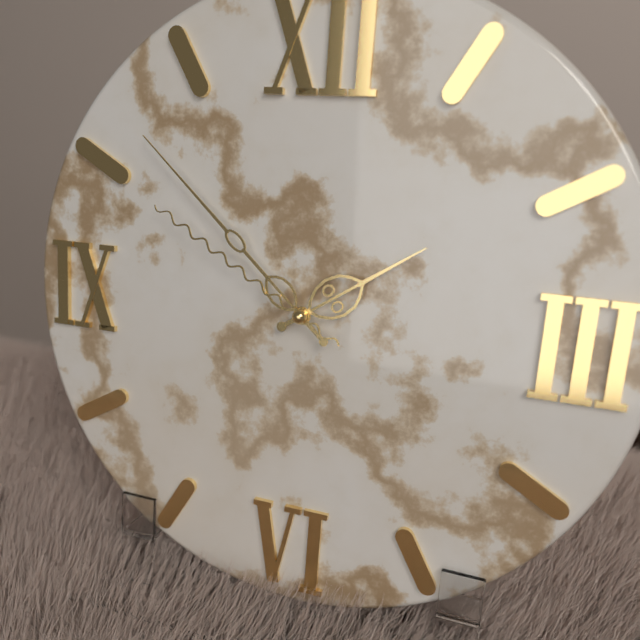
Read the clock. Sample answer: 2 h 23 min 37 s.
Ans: 1 h 52 min 50 s
